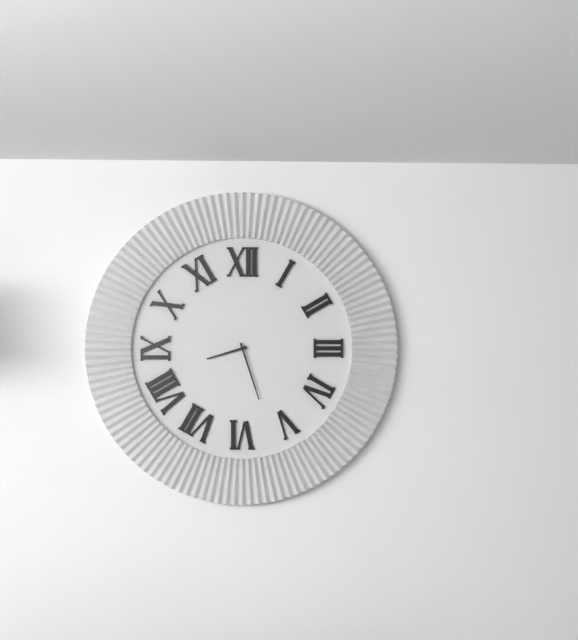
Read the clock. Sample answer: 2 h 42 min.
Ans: 8 h 27 min
